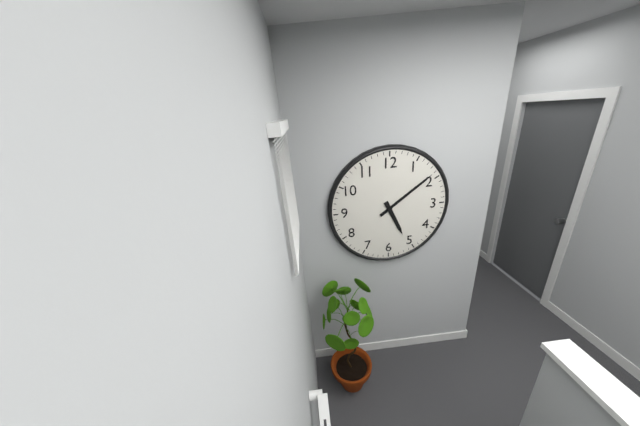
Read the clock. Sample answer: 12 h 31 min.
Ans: 5 h 09 min
